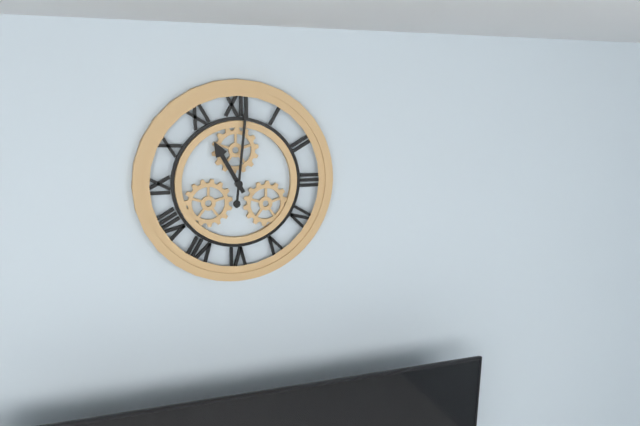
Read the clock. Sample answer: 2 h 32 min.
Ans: 11 h 01 min
